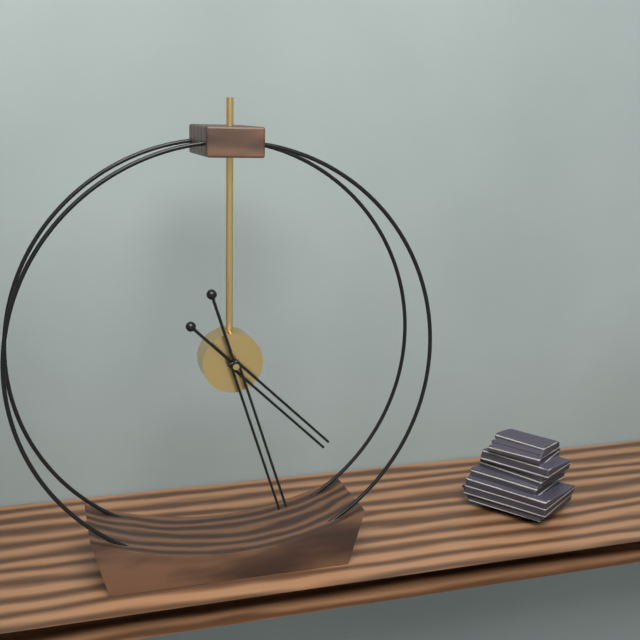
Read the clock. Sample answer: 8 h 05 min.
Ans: 4 h 27 min
